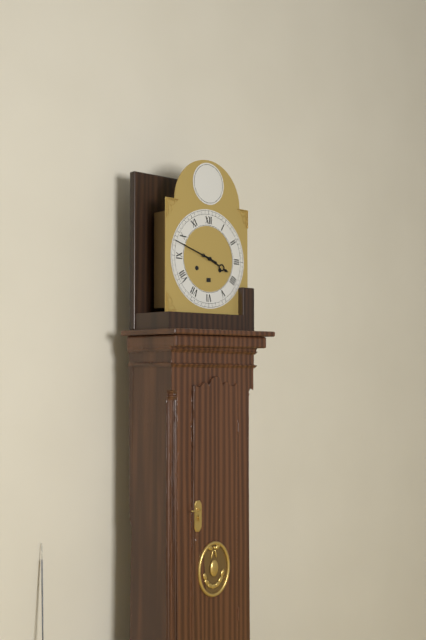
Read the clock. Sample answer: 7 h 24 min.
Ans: 3 h 48 min
